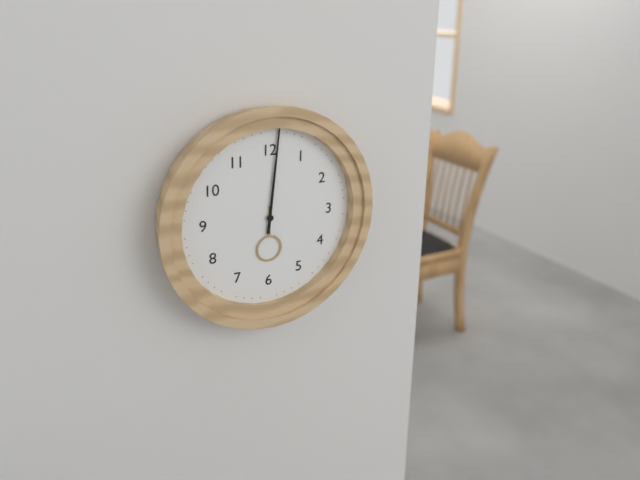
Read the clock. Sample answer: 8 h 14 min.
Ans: 6 h 01 min
